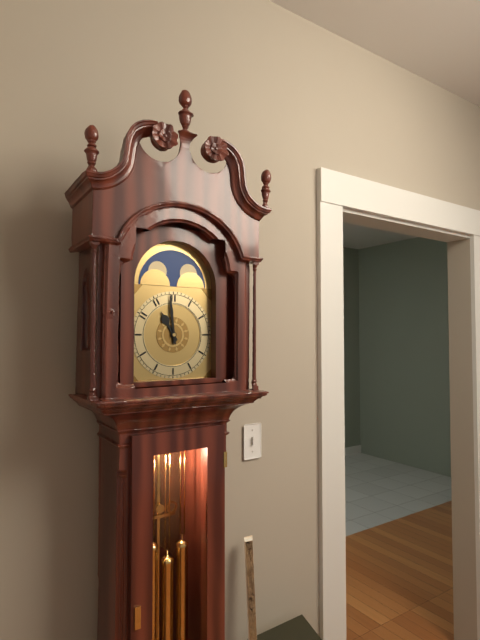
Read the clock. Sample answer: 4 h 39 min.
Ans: 10 h 59 min
